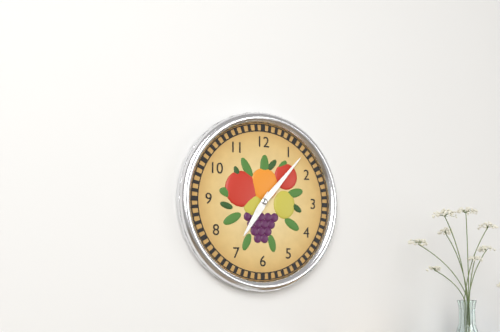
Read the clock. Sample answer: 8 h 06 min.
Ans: 7 h 07 min
